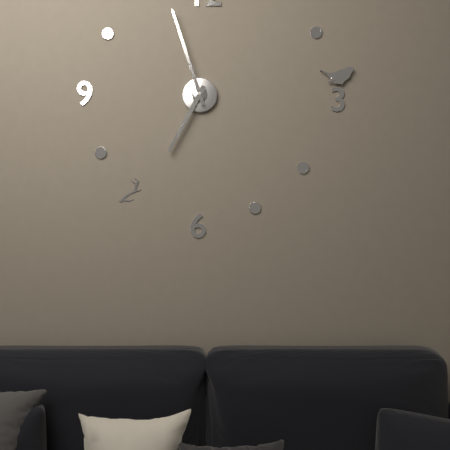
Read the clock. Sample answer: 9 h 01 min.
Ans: 6 h 57 min
